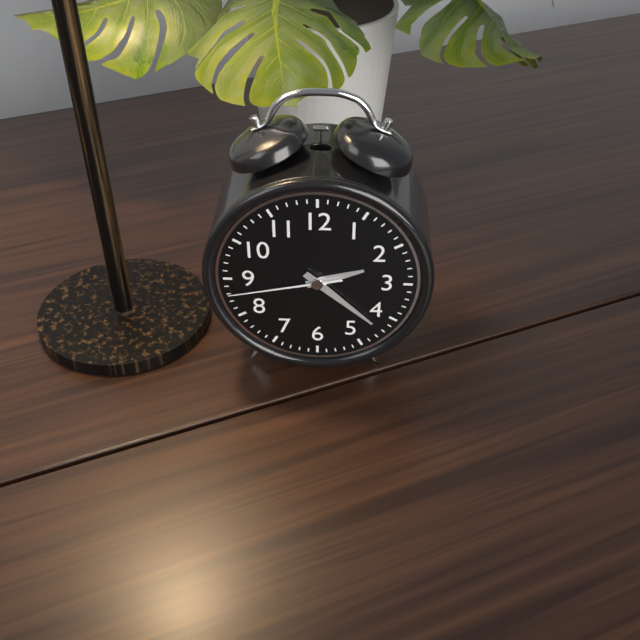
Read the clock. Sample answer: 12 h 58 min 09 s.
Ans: 2 h 22 min 43 s
